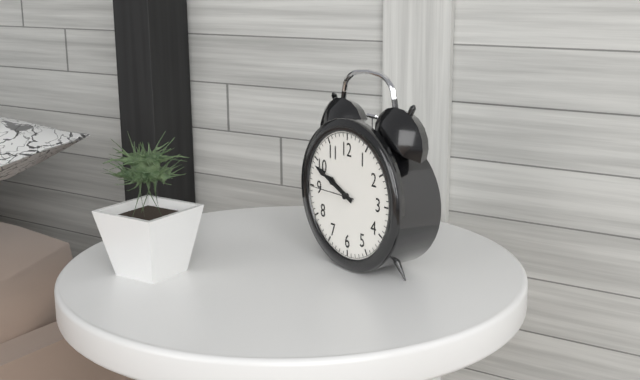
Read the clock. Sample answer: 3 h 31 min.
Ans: 9 h 49 min
